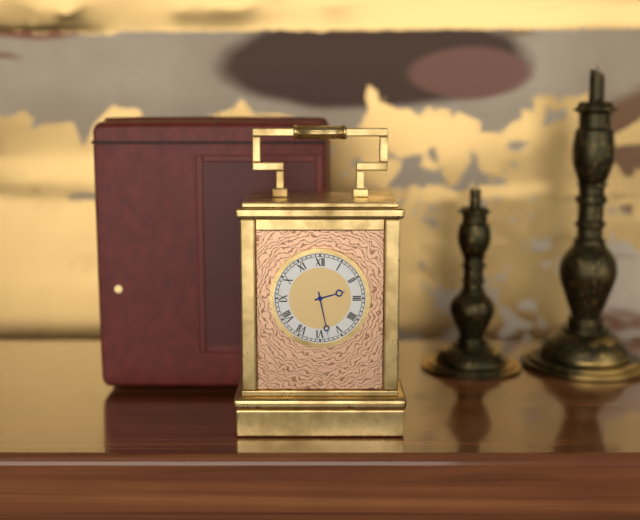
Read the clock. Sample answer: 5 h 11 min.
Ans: 2 h 28 min
